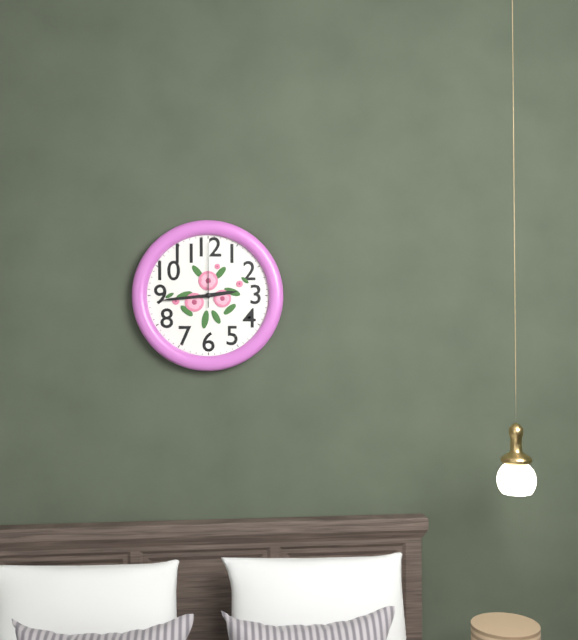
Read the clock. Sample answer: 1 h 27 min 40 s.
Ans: 2 h 44 min 00 s
